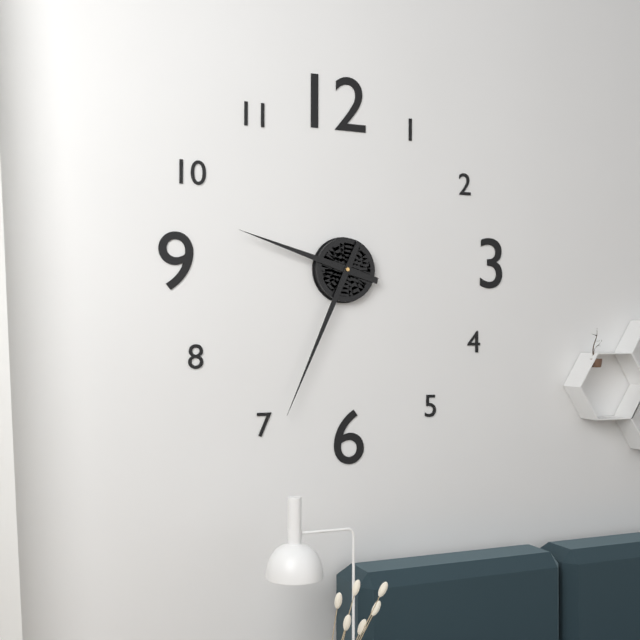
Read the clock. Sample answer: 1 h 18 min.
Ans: 9 h 34 min
